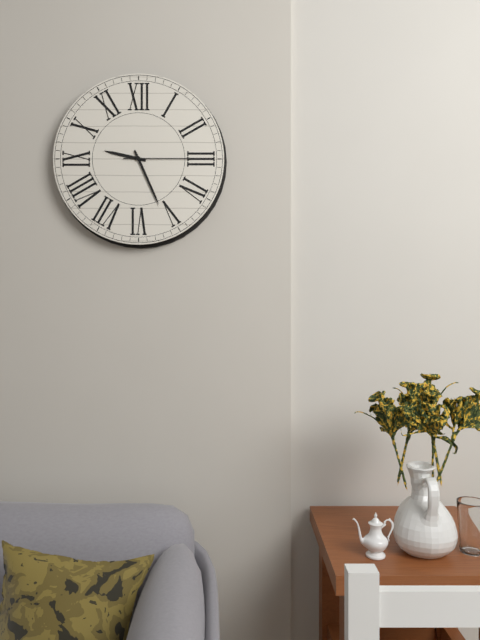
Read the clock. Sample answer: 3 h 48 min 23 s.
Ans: 9 h 26 min 15 s
